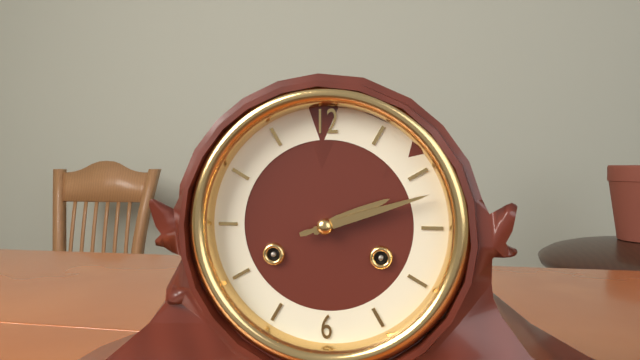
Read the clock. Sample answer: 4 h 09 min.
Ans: 2 h 12 min
